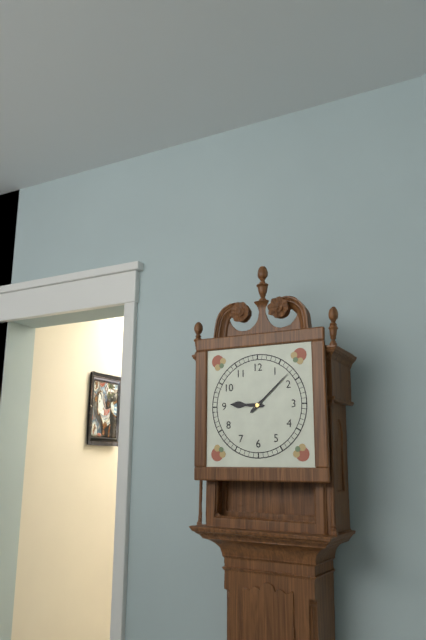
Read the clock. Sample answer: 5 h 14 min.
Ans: 9 h 08 min
